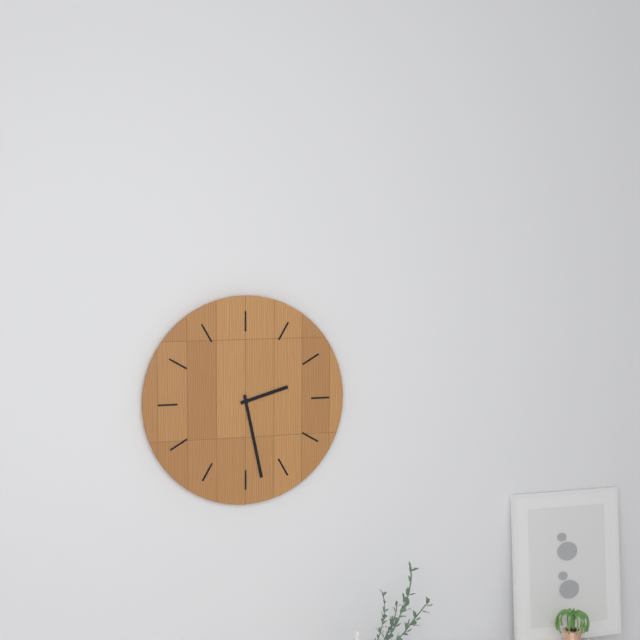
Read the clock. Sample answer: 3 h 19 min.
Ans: 2 h 28 min
